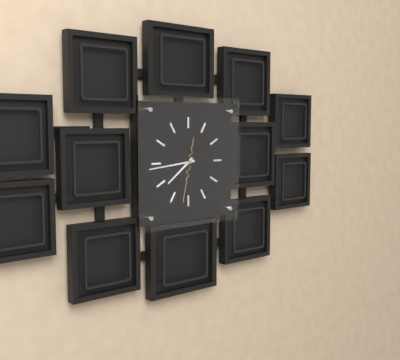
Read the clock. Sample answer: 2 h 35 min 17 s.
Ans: 7 h 44 min 32 s
